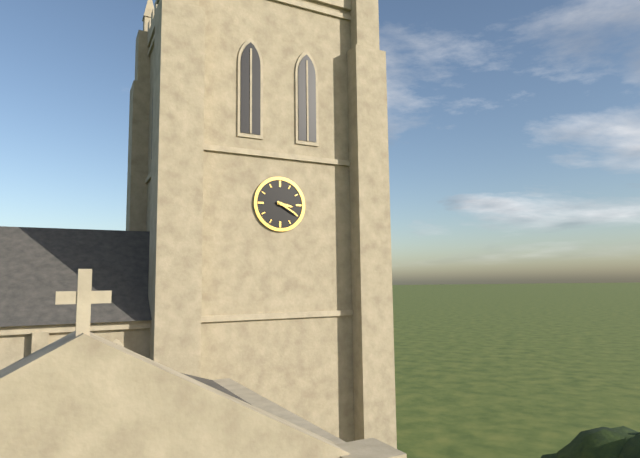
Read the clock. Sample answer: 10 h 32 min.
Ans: 3 h 20 min
